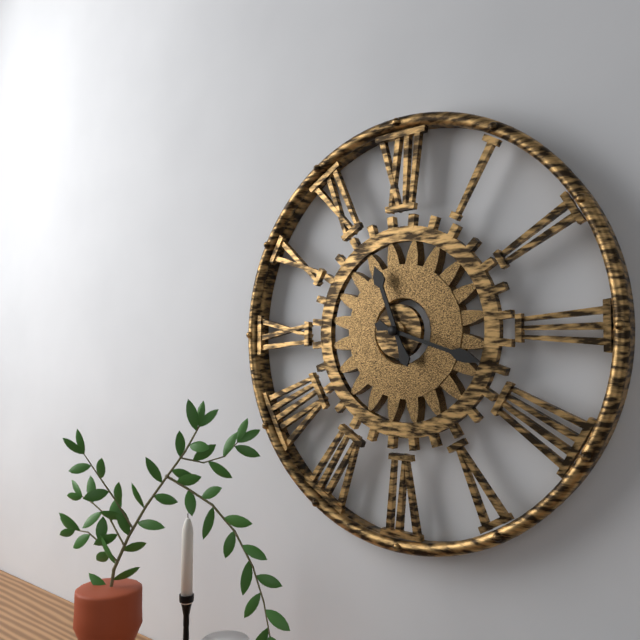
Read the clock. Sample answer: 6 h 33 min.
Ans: 11 h 18 min
